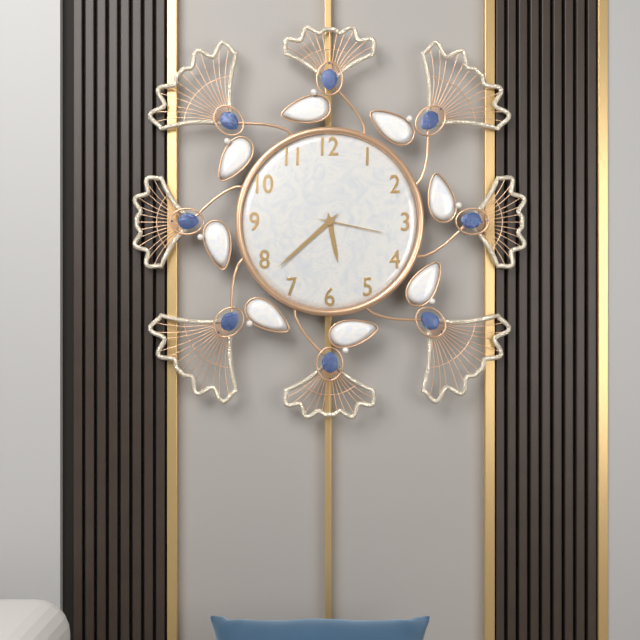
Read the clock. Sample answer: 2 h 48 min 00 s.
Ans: 5 h 38 min 17 s
